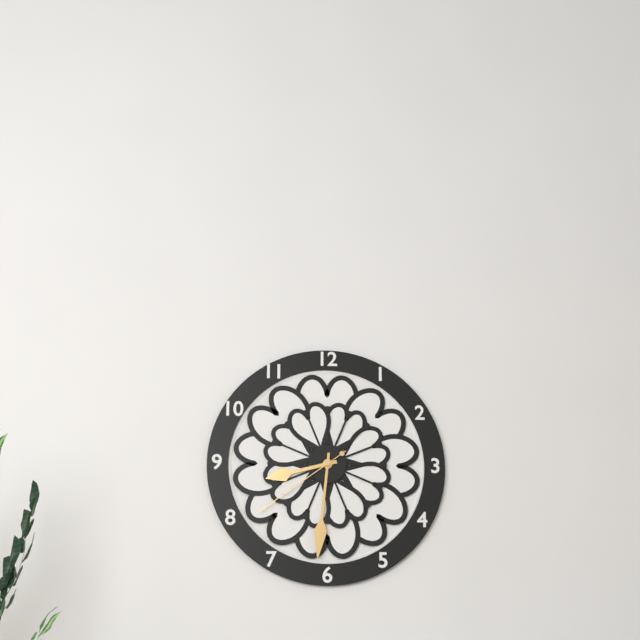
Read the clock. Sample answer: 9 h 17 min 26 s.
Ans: 8 h 31 min 39 s
